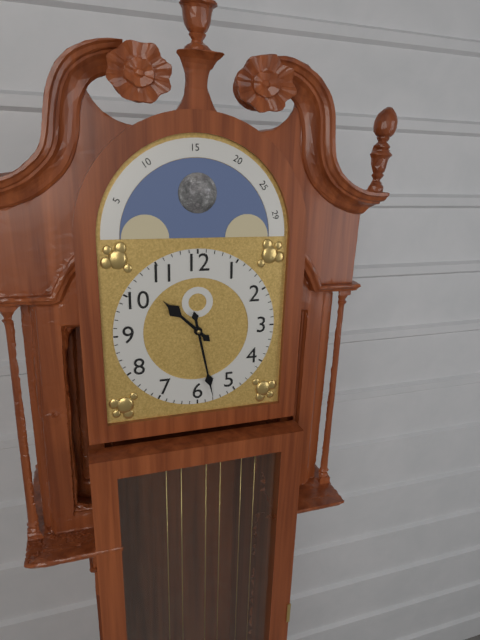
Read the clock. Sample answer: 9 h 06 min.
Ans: 10 h 28 min
